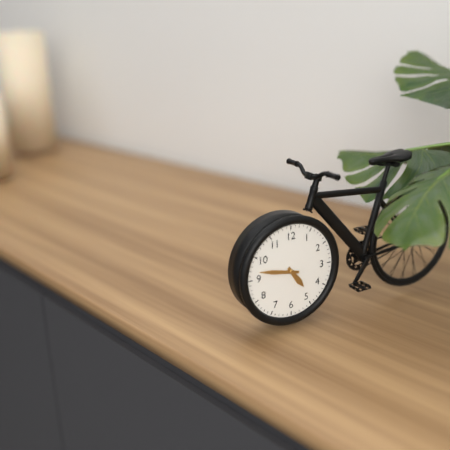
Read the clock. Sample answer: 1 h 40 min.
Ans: 4 h 47 min
